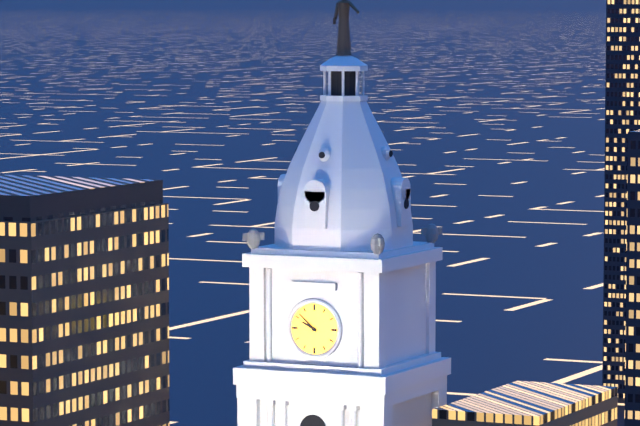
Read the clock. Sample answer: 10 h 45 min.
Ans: 9 h 52 min
